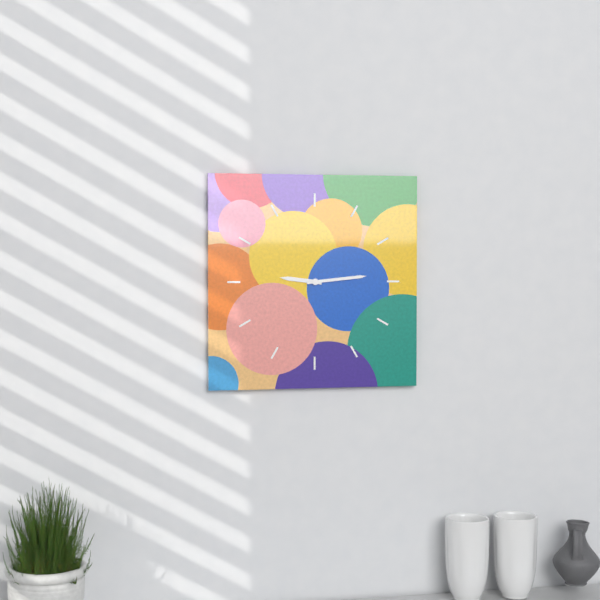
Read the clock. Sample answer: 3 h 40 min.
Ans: 9 h 14 min
